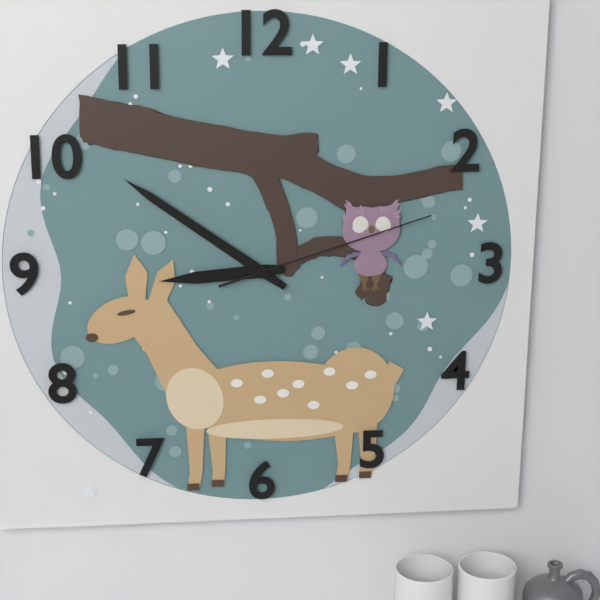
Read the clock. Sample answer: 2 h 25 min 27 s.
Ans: 8 h 51 min 12 s
